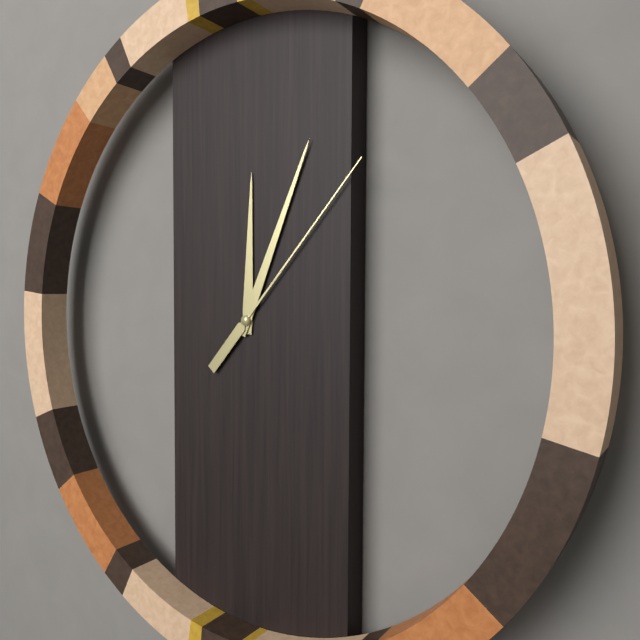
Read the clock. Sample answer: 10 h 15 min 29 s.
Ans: 12 h 04 min 07 s
